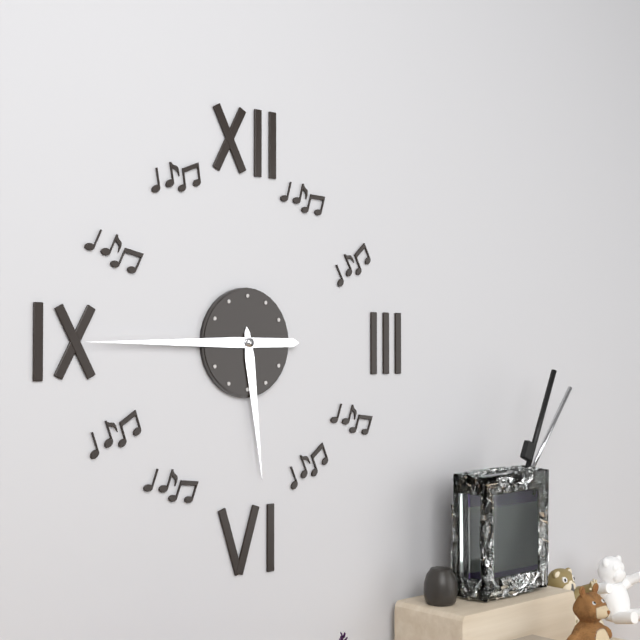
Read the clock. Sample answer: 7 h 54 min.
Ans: 5 h 45 min
